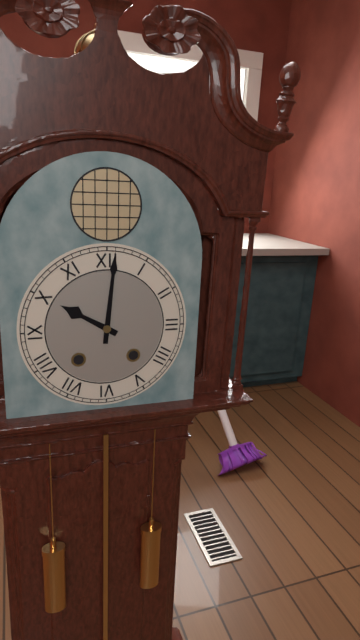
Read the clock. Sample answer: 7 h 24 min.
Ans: 10 h 01 min
